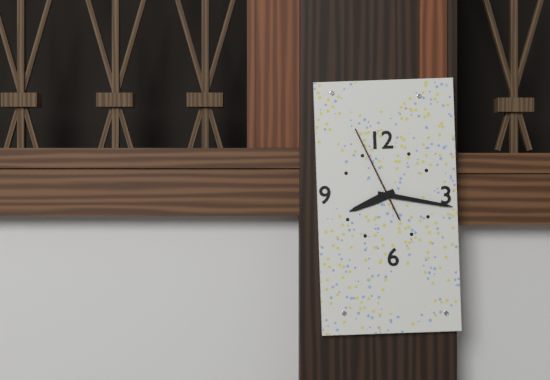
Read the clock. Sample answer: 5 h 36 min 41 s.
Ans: 8 h 17 min 56 s
